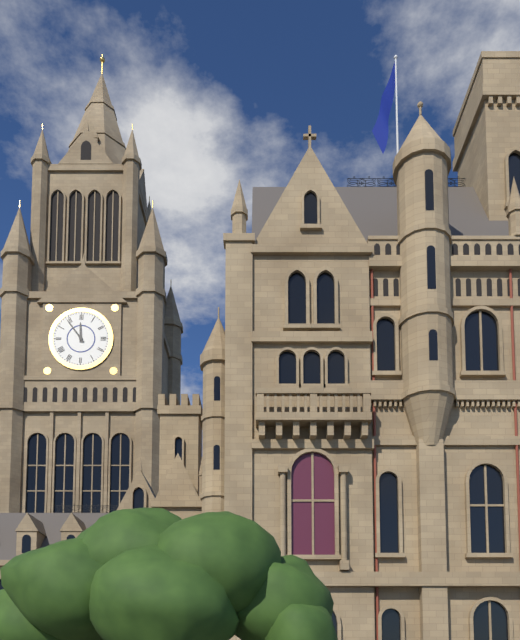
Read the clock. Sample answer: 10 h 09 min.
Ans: 11 h 54 min
